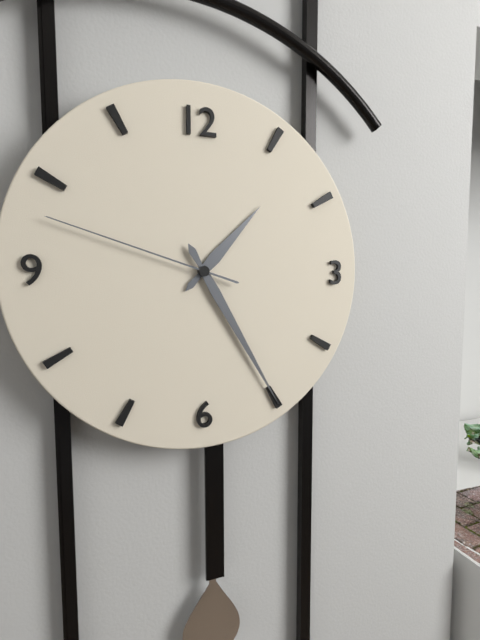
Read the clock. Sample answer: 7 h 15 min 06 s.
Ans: 1 h 25 min 48 s
